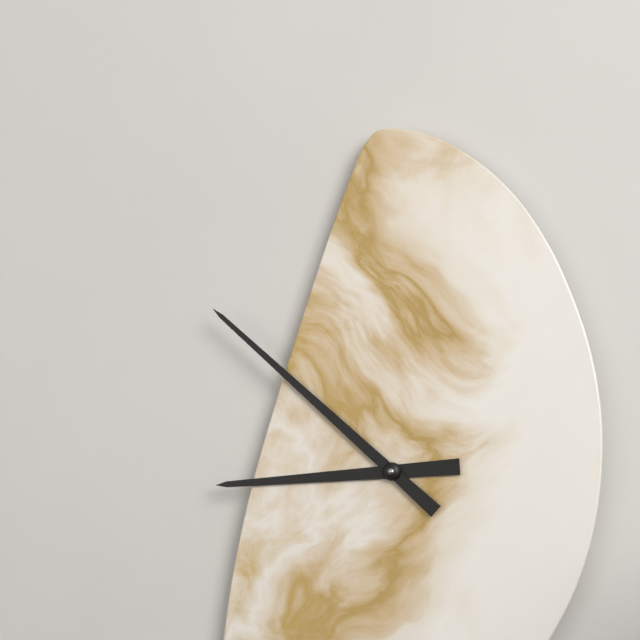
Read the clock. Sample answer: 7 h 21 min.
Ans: 8 h 52 min
